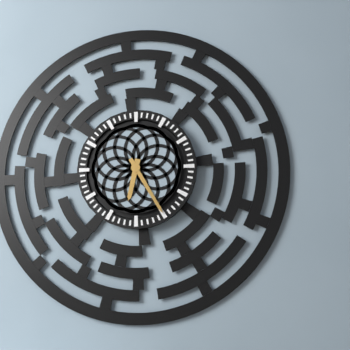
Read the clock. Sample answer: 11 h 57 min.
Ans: 6 h 25 min
